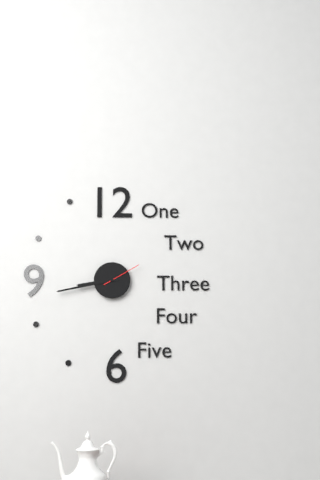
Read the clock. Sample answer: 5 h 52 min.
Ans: 8 h 43 min
